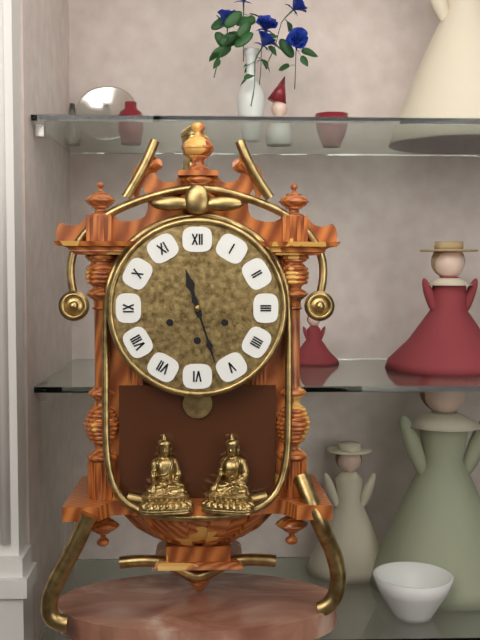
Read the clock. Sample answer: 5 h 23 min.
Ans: 11 h 27 min
